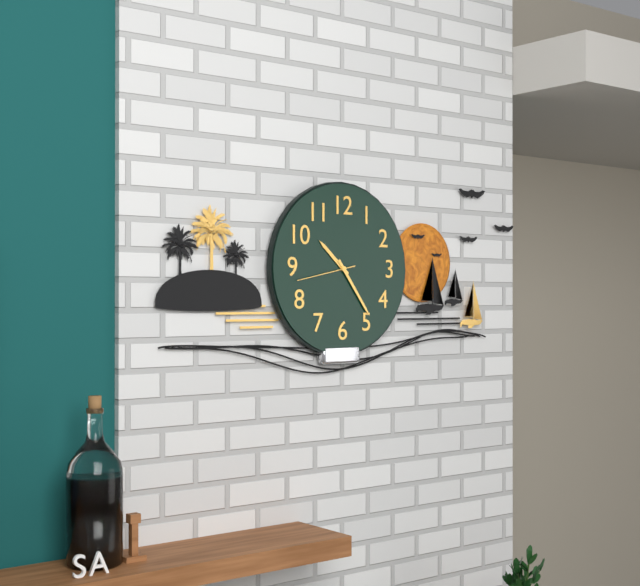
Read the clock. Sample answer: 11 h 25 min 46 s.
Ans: 10 h 24 min 43 s
